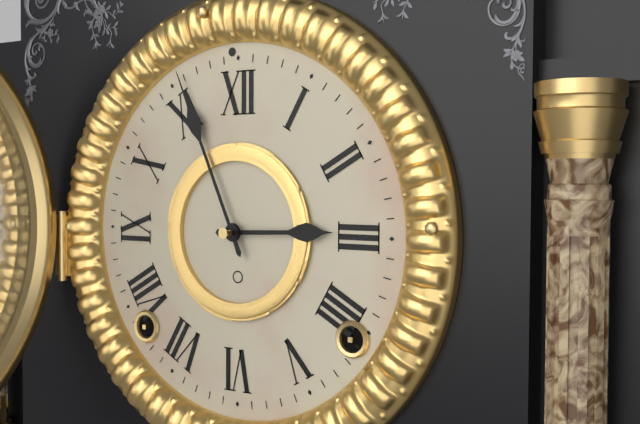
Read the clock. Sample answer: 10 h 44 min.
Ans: 2 h 56 min
